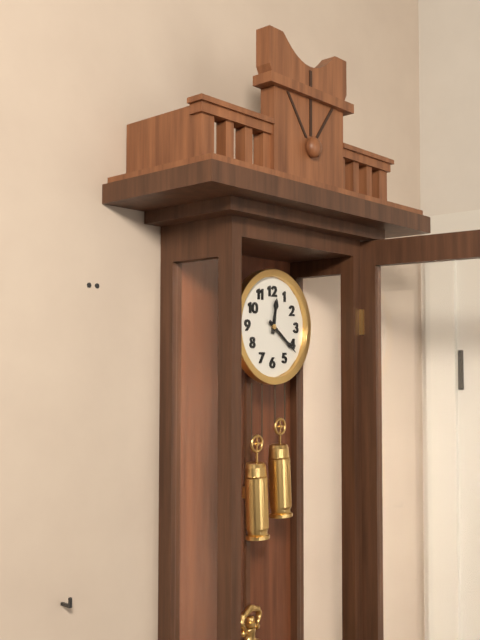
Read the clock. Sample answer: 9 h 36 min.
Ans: 12 h 21 min
